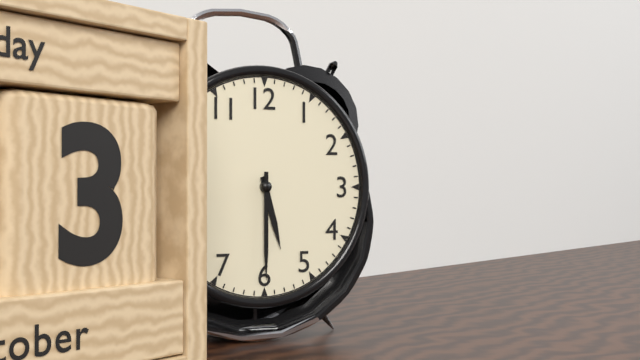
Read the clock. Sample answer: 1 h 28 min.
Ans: 5 h 30 min
